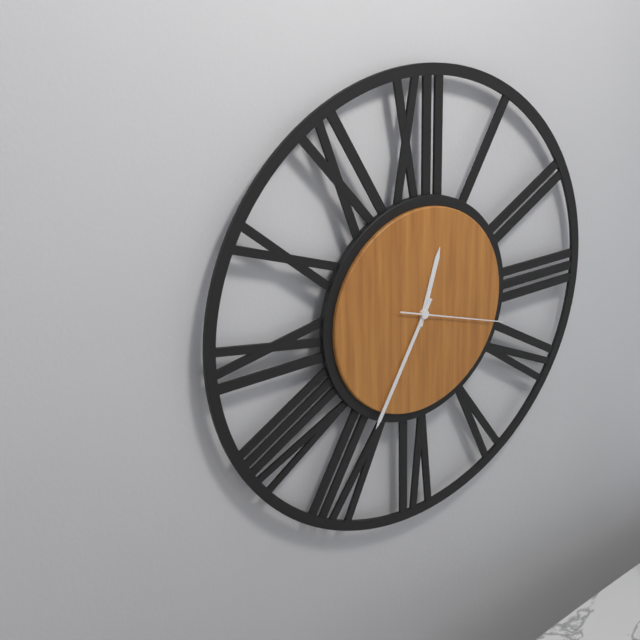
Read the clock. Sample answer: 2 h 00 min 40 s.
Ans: 12 h 35 min 18 s
